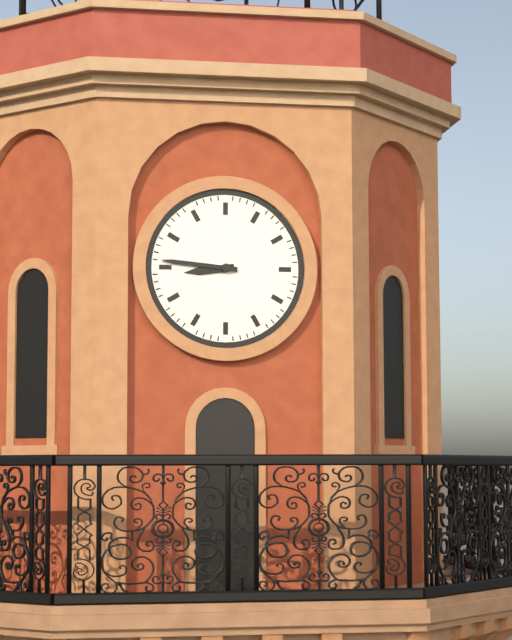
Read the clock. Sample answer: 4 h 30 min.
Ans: 8 h 46 min
